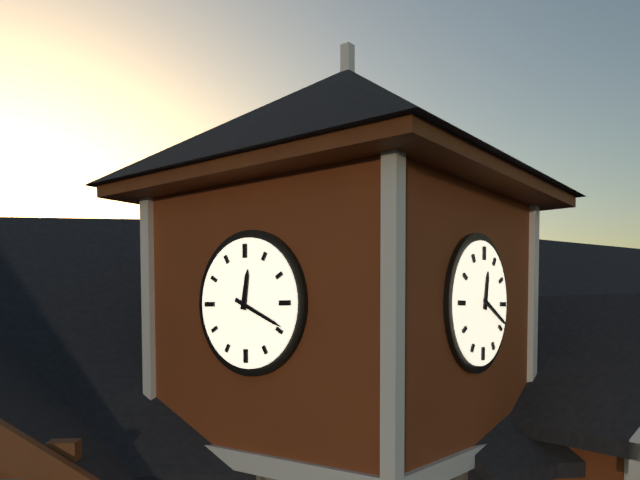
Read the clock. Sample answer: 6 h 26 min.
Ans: 12 h 19 min
